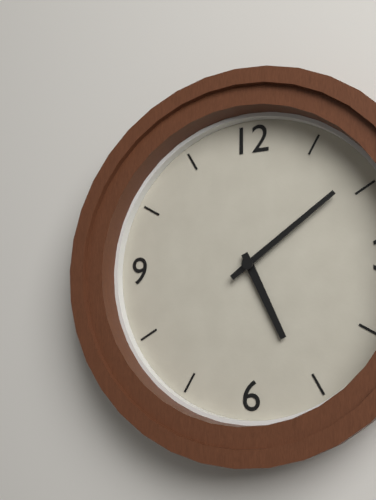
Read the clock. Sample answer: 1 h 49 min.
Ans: 5 h 09 min
